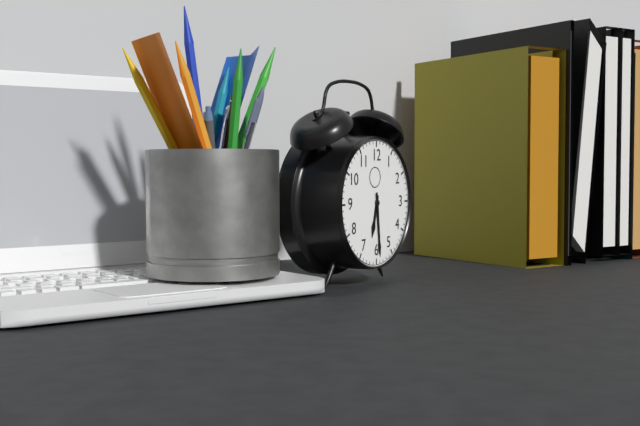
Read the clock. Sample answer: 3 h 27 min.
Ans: 6 h 29 min
